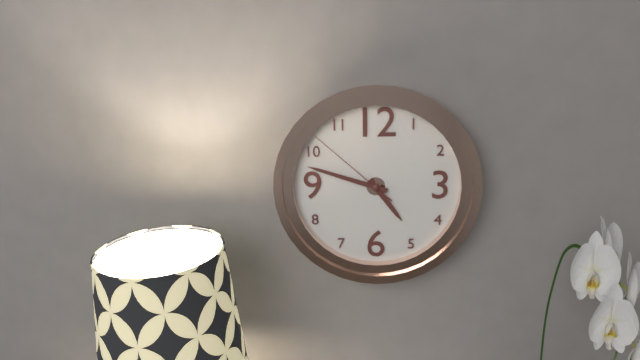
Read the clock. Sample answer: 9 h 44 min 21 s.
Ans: 4 h 48 min 52 s
